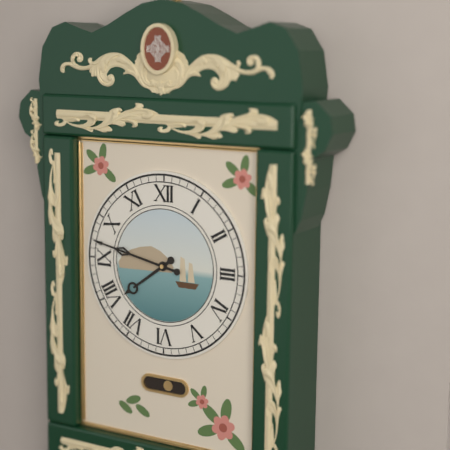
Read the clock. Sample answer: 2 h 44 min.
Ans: 7 h 47 min
